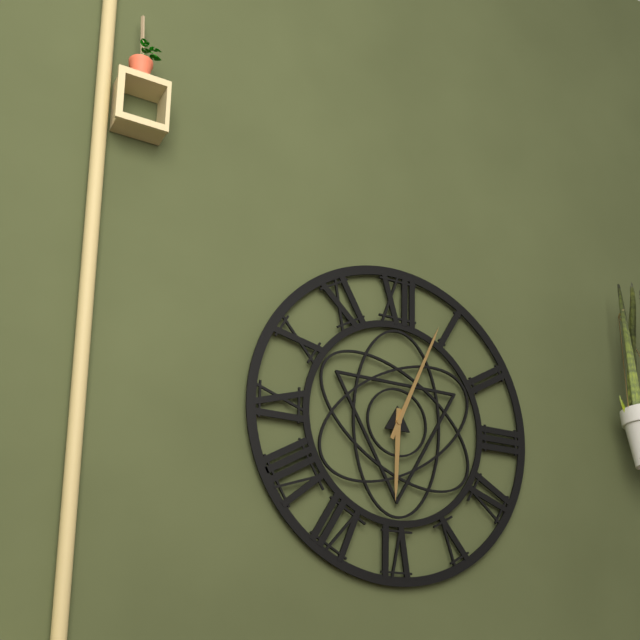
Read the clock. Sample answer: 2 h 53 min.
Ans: 6 h 04 min
